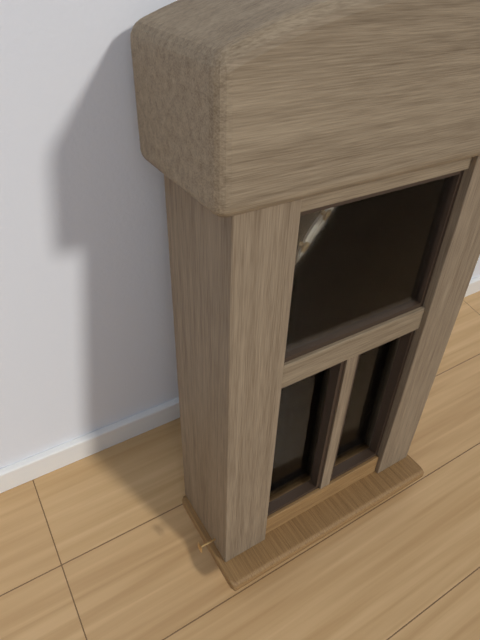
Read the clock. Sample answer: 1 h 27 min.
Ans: 12 h 42 min
